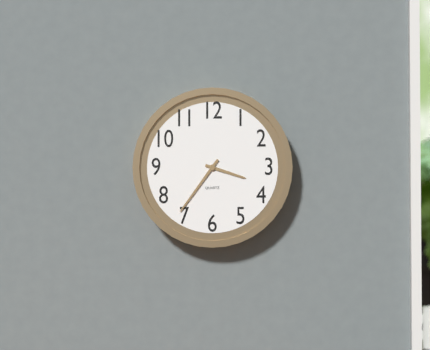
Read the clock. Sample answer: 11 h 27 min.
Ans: 3 h 36 min
